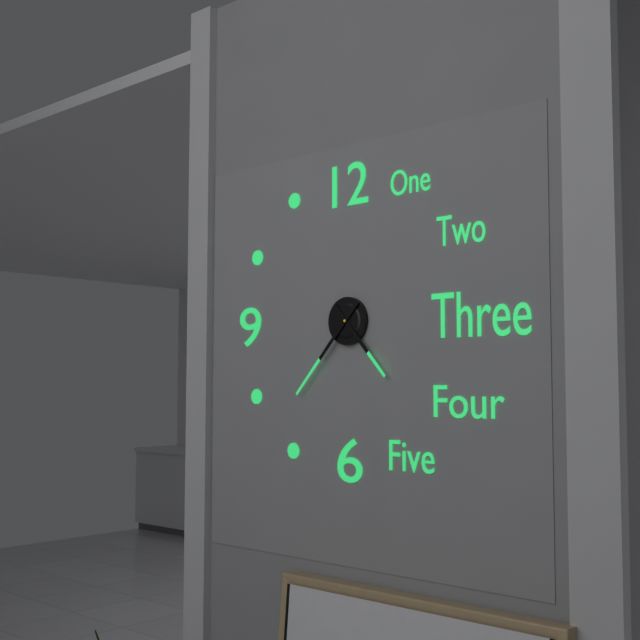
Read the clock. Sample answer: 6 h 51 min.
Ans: 4 h 37 min
